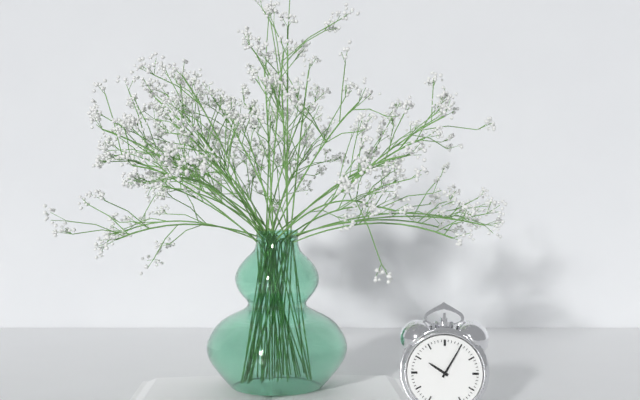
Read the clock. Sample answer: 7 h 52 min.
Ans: 10 h 05 min
